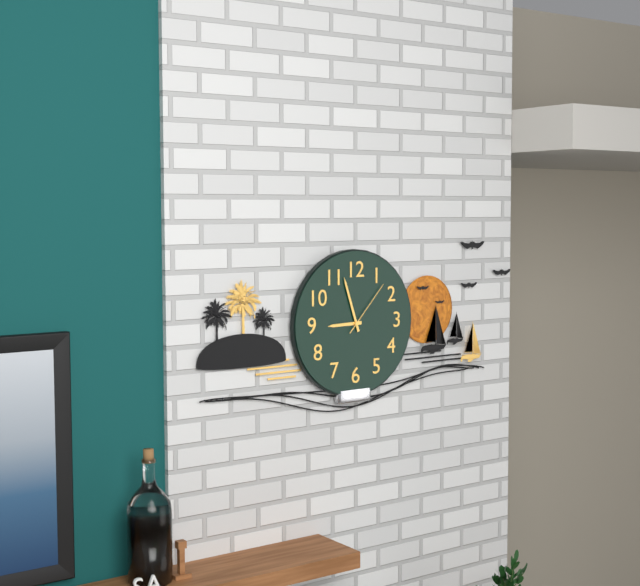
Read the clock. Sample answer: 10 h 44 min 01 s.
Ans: 8 h 57 min 07 s
